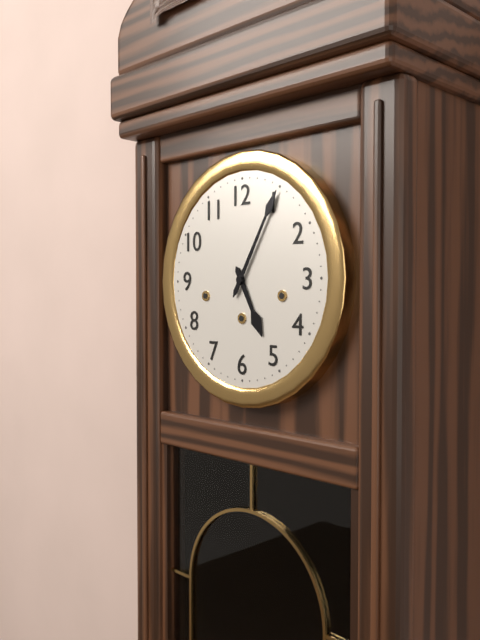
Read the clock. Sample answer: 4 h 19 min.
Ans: 5 h 05 min
